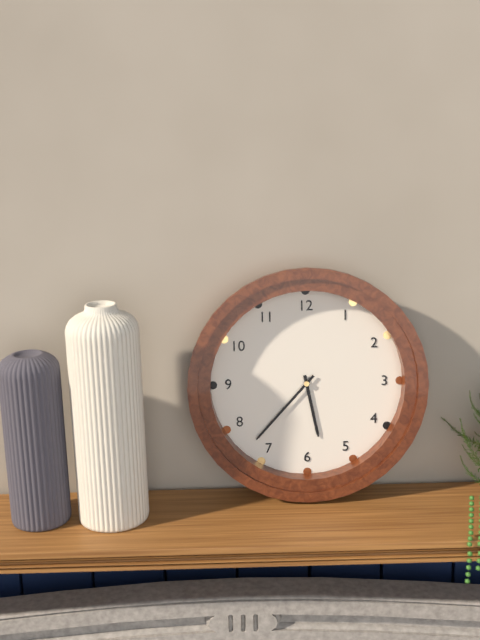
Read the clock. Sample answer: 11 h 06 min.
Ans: 5 h 37 min
